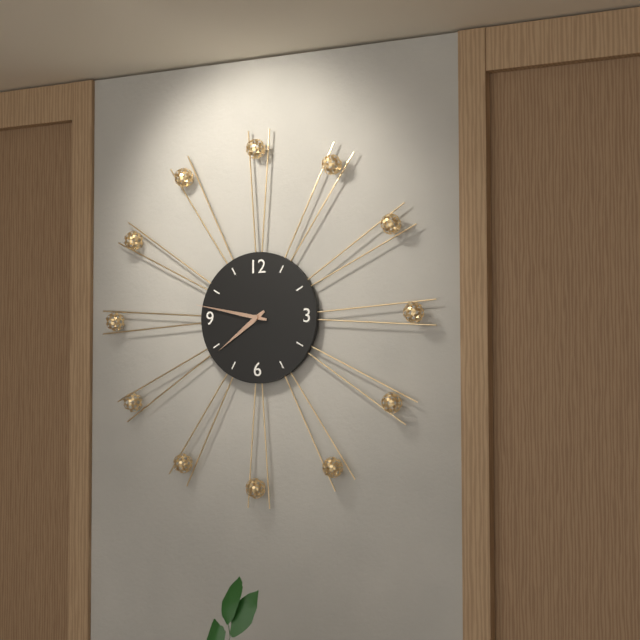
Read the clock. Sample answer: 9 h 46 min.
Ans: 7 h 47 min
